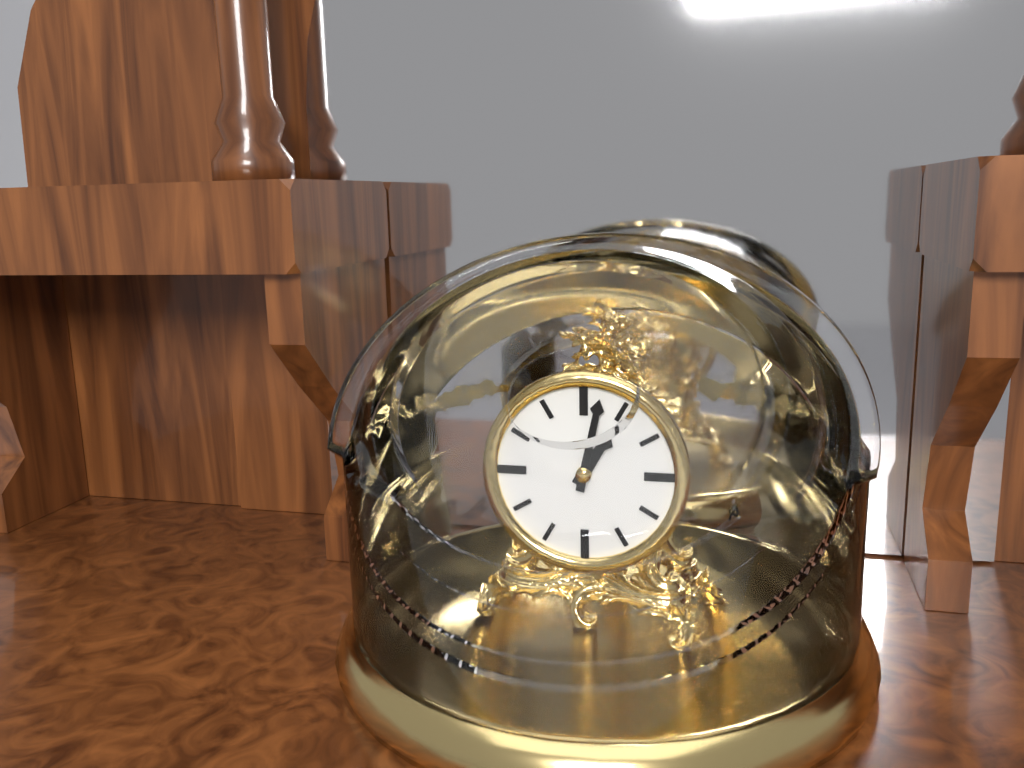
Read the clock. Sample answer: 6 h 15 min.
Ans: 1 h 02 min
